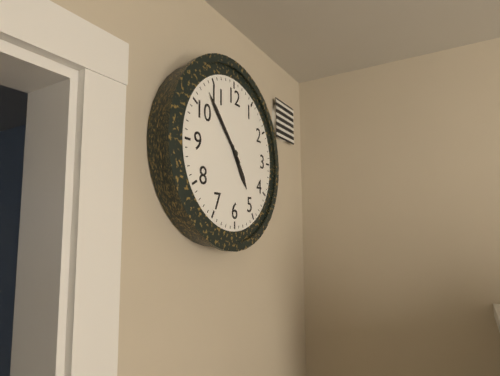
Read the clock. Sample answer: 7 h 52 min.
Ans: 4 h 53 min
